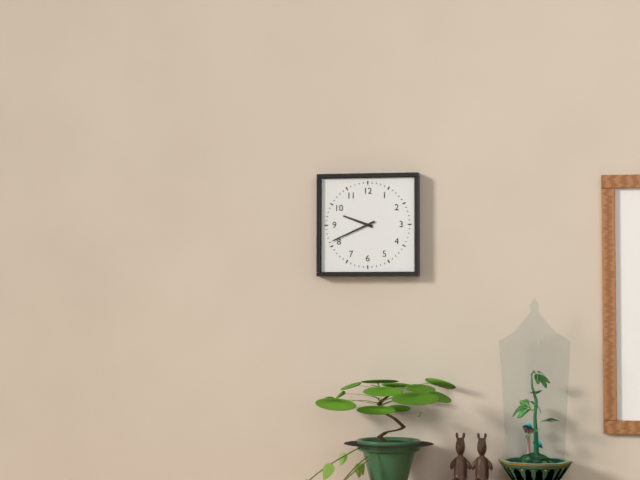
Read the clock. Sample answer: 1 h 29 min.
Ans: 9 h 41 min
